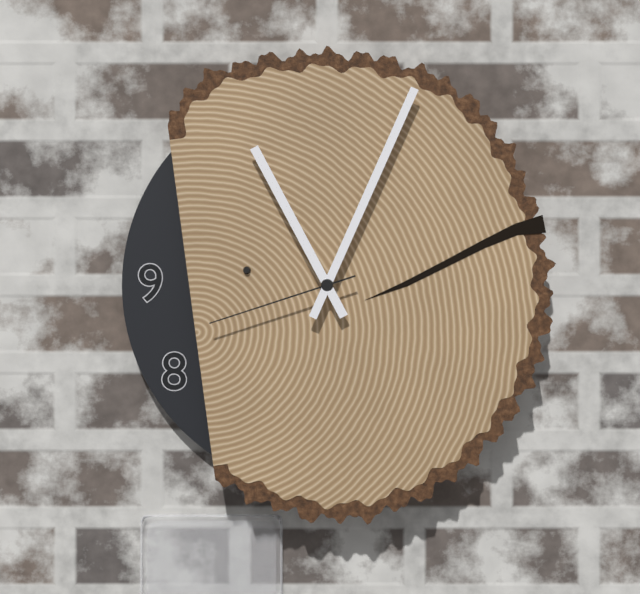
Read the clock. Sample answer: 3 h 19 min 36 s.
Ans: 11 h 04 min 42 s
